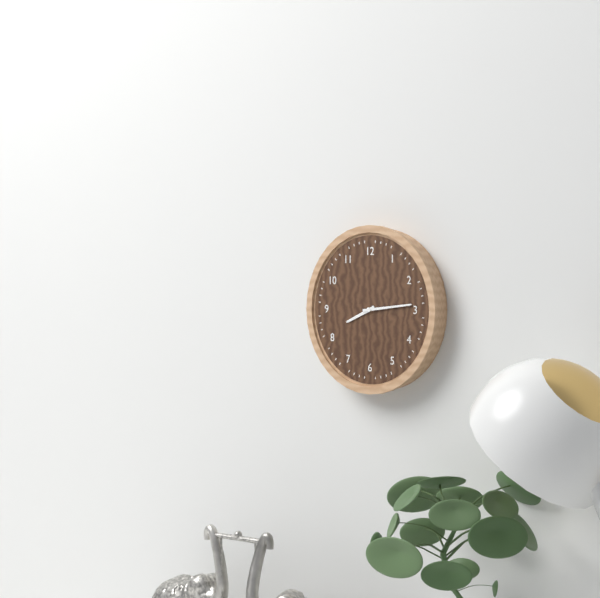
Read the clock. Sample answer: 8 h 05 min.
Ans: 8 h 14 min
